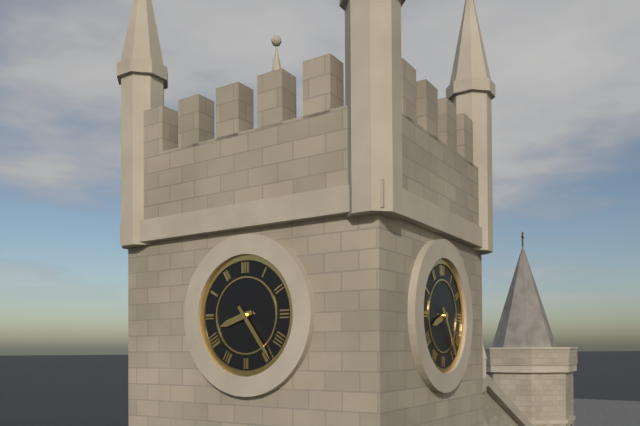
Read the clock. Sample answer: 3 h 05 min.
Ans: 8 h 24 min
